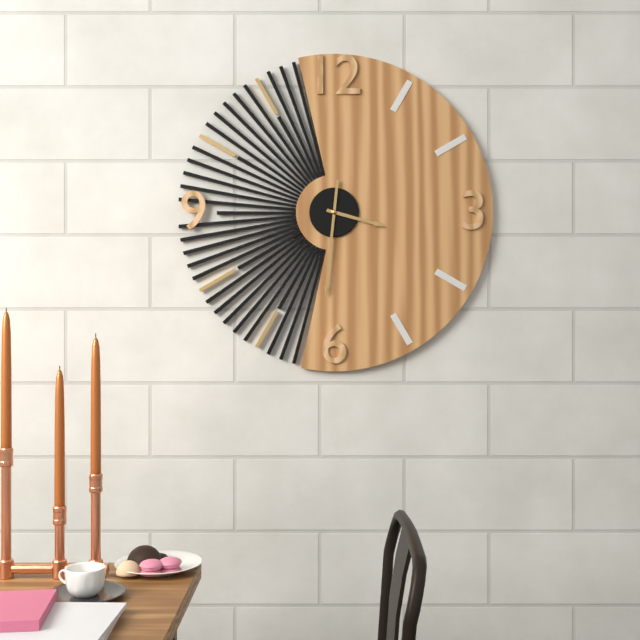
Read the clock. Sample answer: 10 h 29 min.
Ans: 3 h 31 min
